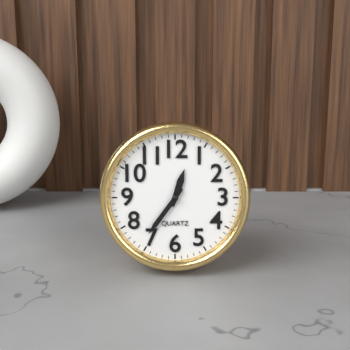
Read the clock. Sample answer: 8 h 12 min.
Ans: 12 h 36 min
